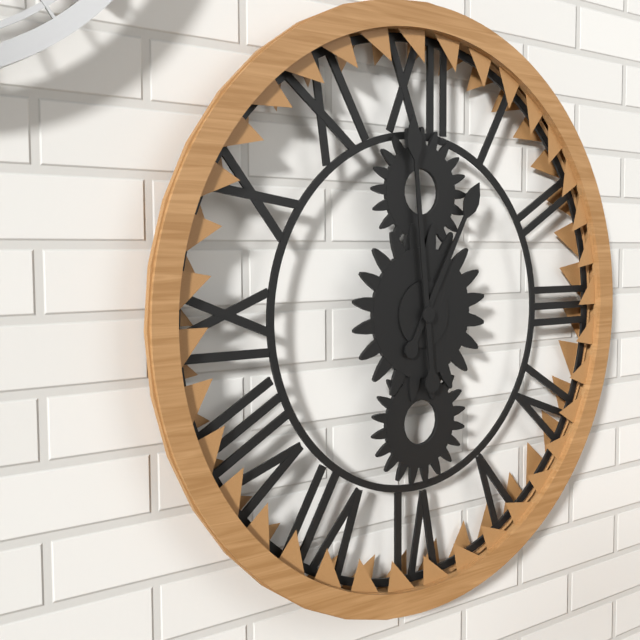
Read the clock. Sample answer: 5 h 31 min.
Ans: 12 h 59 min
